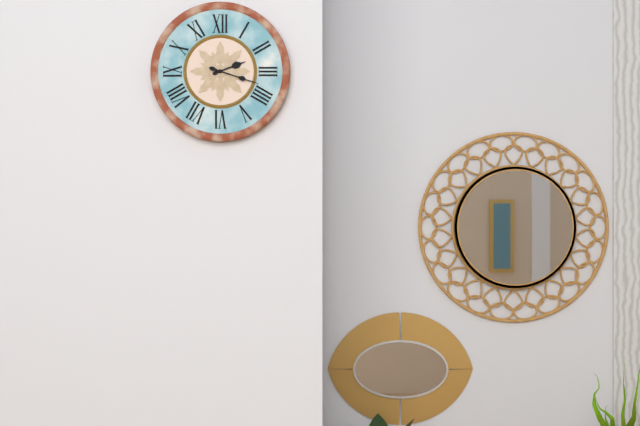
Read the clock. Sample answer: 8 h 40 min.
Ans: 2 h 18 min
